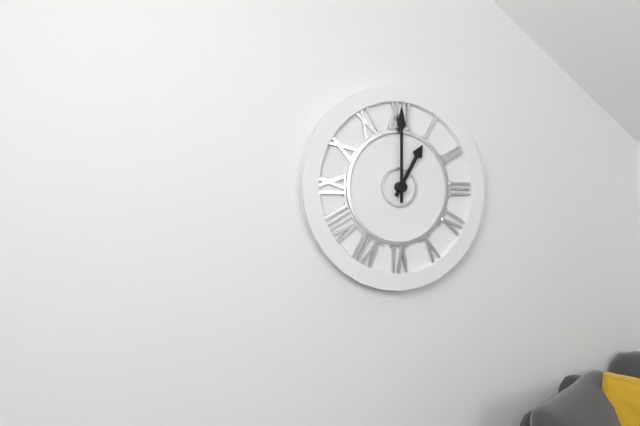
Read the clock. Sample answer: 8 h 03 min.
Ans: 1 h 00 min
